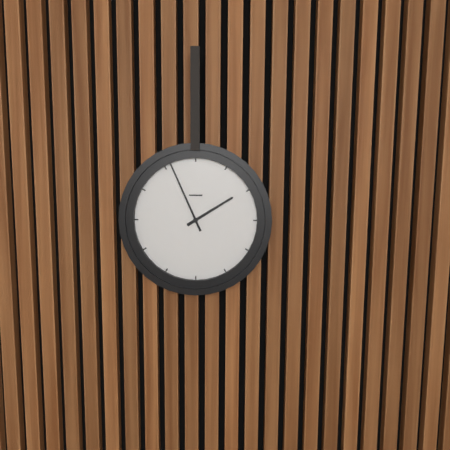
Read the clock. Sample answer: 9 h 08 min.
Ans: 1 h 56 min
